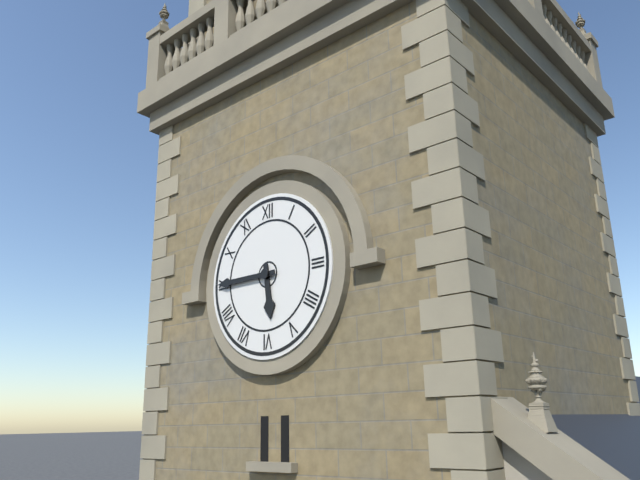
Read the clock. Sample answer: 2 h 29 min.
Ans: 5 h 45 min
